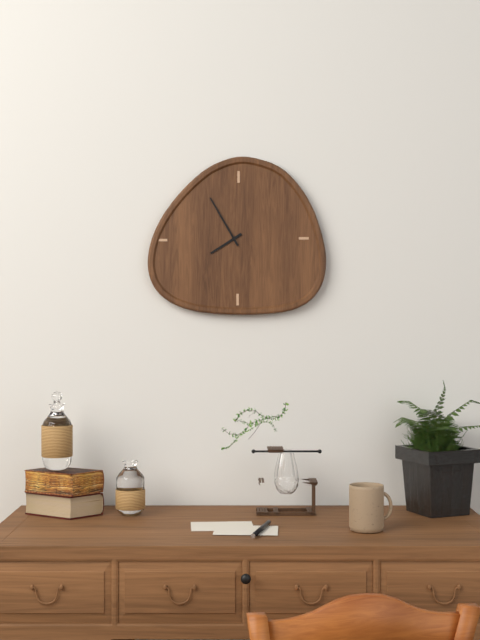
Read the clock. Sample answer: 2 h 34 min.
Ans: 7 h 55 min
